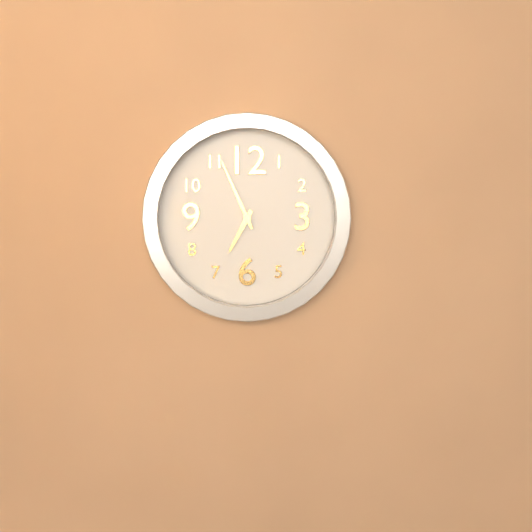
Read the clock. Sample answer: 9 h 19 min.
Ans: 6 h 56 min
